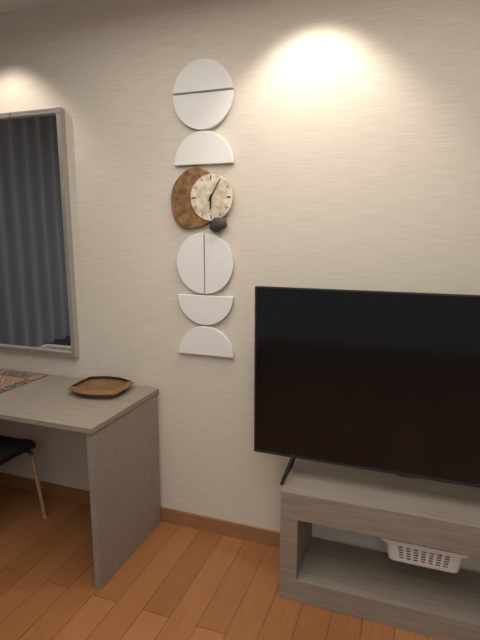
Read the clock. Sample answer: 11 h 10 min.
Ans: 6 h 05 min
